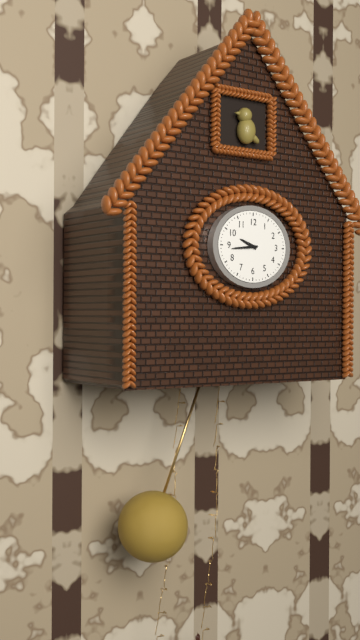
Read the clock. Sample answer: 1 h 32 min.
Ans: 9 h 44 min
